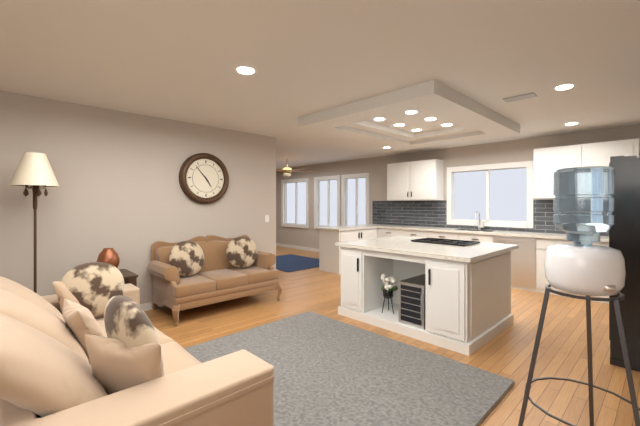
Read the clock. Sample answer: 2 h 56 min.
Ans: 4 h 53 min
